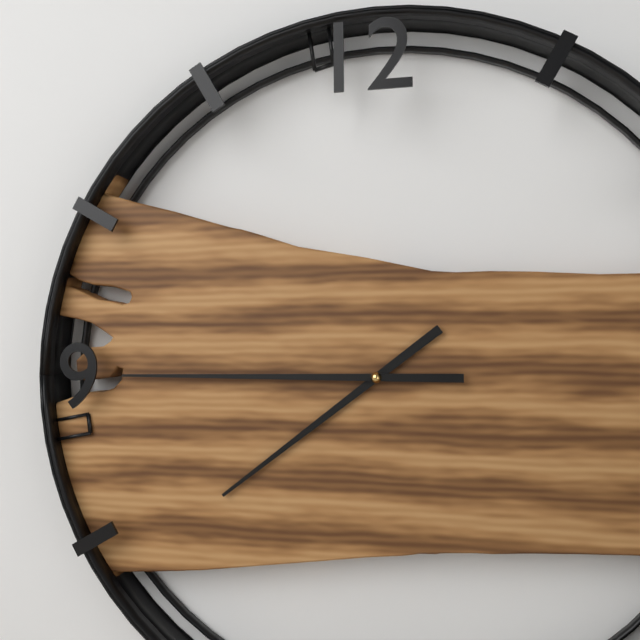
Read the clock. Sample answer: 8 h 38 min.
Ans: 7 h 45 min
